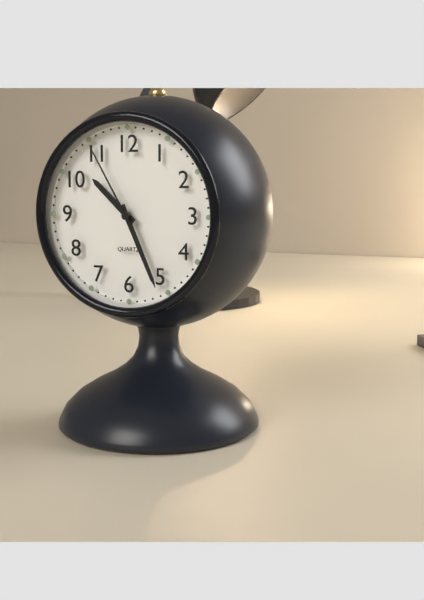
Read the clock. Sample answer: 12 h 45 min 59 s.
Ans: 10 h 26 min 55 s
